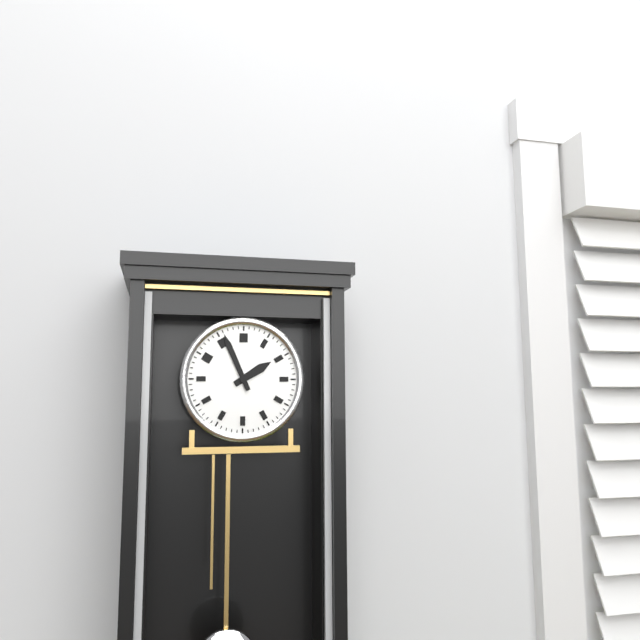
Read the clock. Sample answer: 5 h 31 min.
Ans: 1 h 56 min
